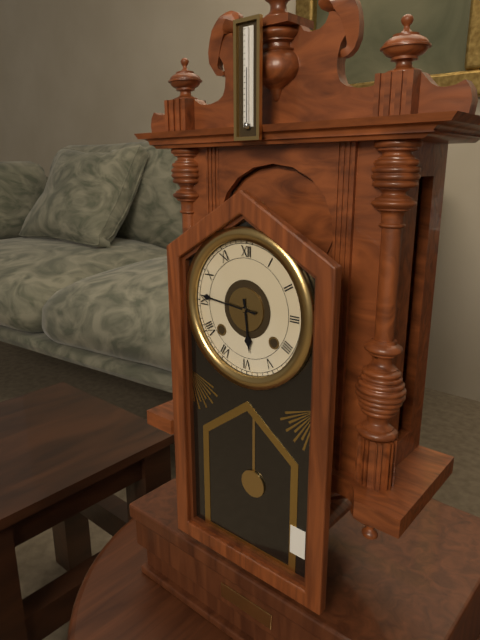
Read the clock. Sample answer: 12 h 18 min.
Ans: 5 h 46 min
